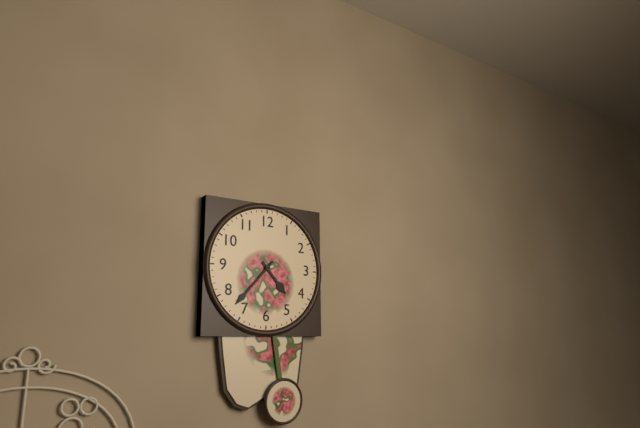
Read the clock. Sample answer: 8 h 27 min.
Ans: 4 h 37 min
